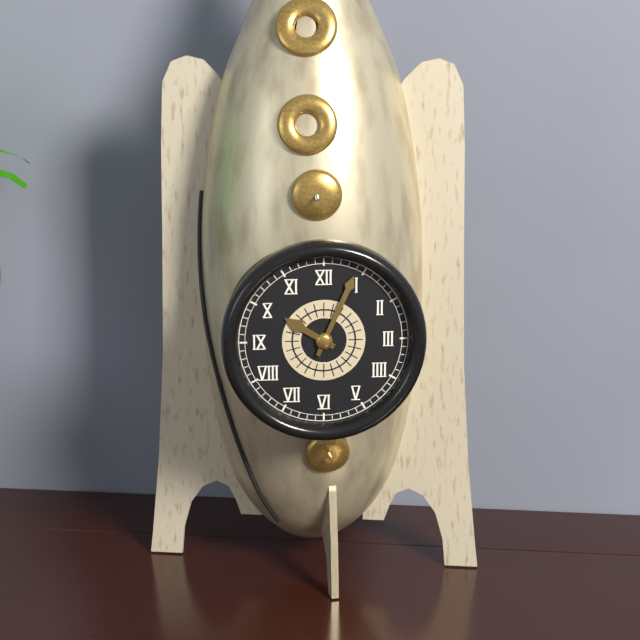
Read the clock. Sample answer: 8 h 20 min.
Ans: 10 h 04 min
